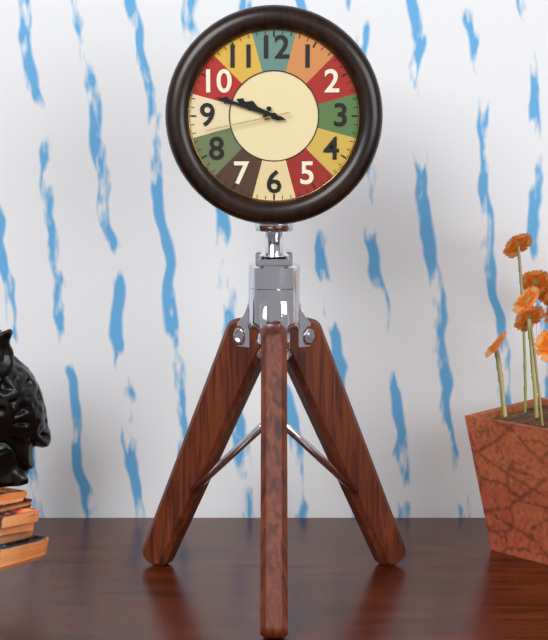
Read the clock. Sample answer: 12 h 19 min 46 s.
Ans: 9 h 48 min 43 s
